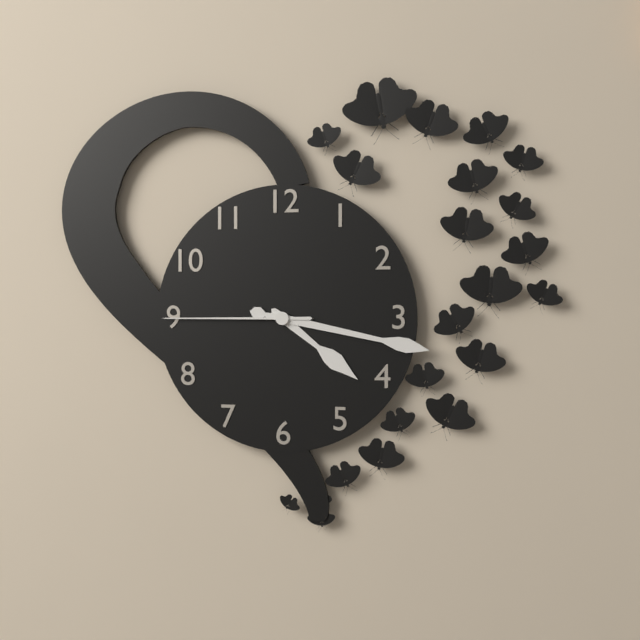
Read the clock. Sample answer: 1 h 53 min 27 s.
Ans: 4 h 17 min 45 s
